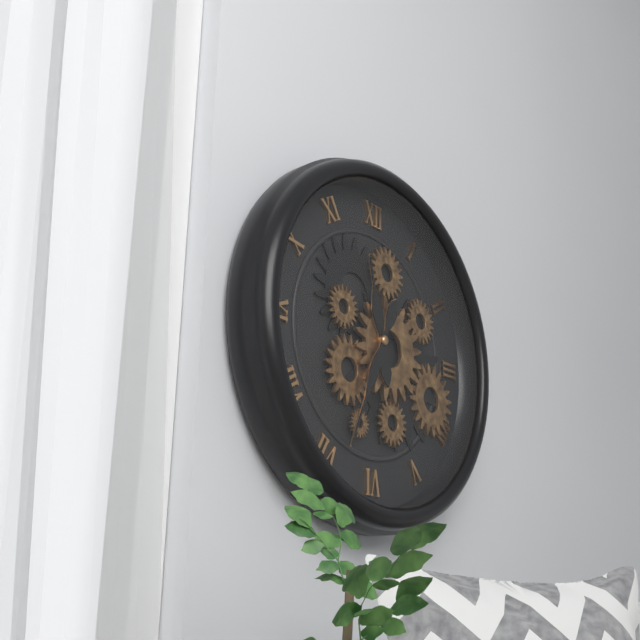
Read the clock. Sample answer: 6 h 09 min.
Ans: 11 h 34 min
